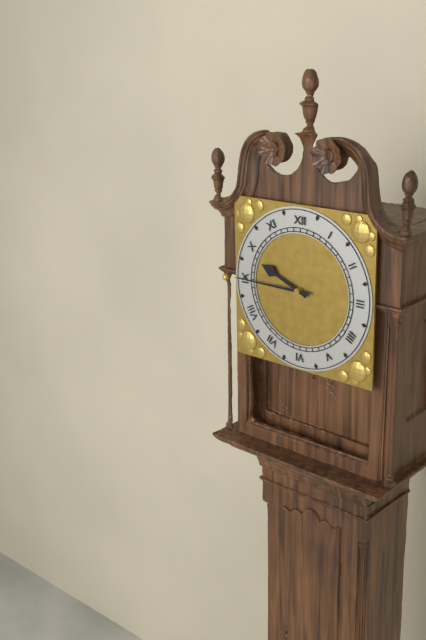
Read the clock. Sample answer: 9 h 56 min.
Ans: 9 h 45 min
